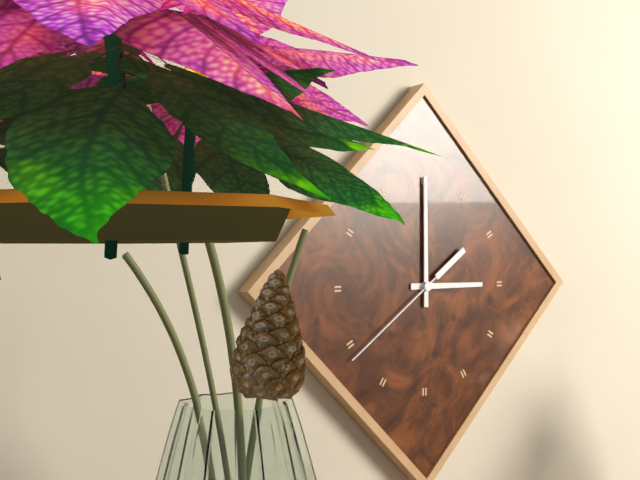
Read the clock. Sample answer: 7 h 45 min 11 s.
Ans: 3 h 00 min 39 s
